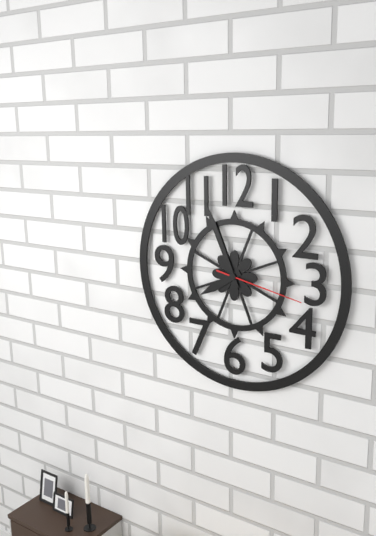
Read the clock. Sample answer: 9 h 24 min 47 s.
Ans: 7 h 56 min 17 s
